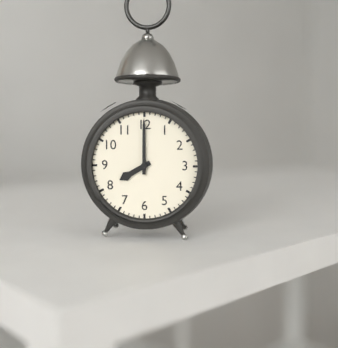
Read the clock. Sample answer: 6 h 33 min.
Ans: 8 h 00 min
